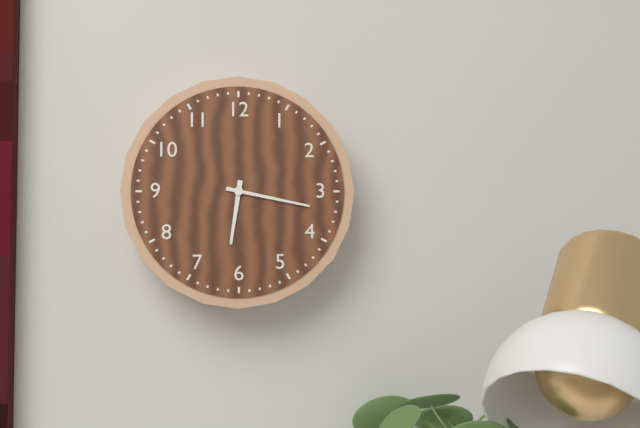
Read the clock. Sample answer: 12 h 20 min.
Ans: 6 h 17 min
